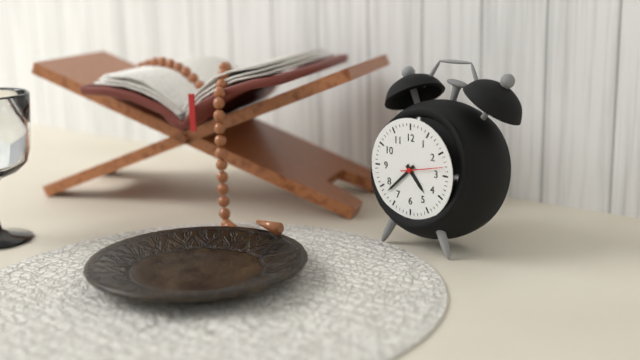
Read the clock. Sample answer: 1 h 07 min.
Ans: 4 h 38 min
